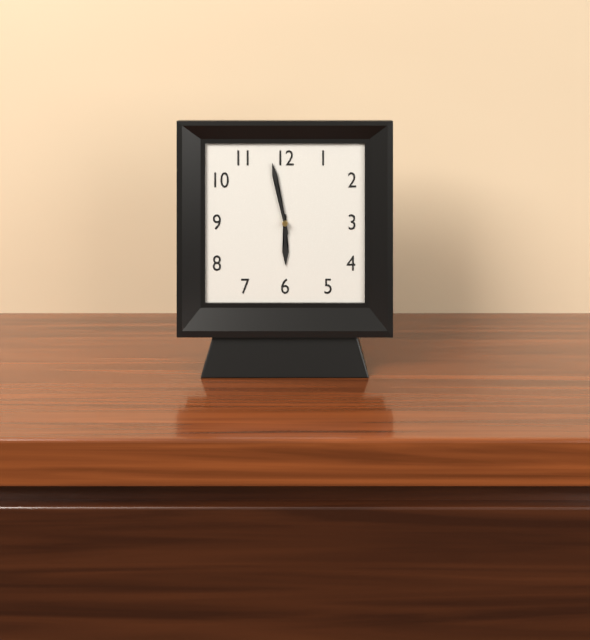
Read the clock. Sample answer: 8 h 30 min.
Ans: 5 h 58 min
